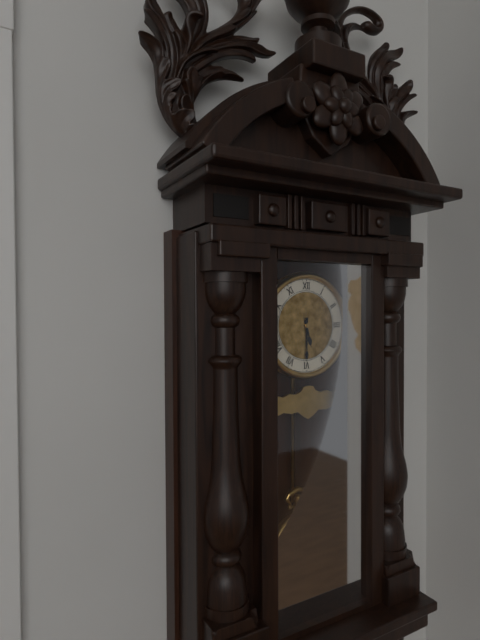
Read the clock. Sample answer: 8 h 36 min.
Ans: 5 h 30 min
